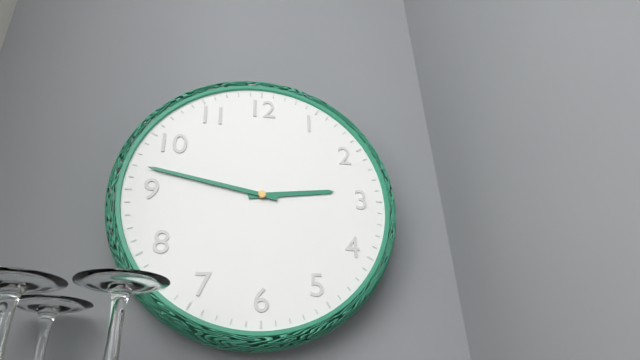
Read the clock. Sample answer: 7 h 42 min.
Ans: 2 h 47 min
